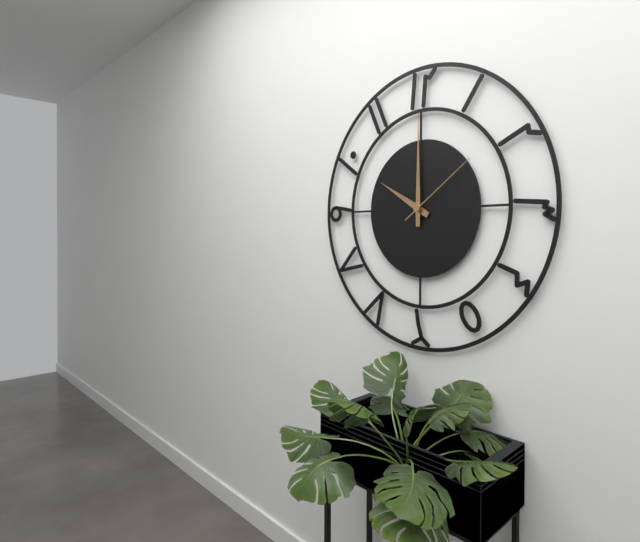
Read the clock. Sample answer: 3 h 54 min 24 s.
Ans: 10 h 00 min 09 s
